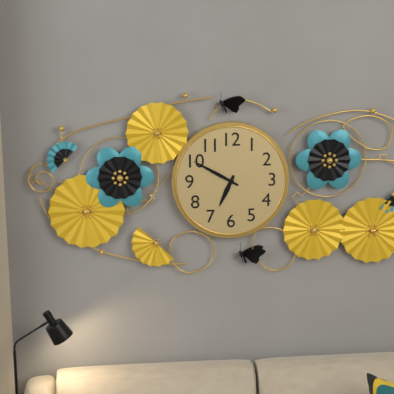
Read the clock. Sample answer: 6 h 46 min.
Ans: 6 h 50 min
